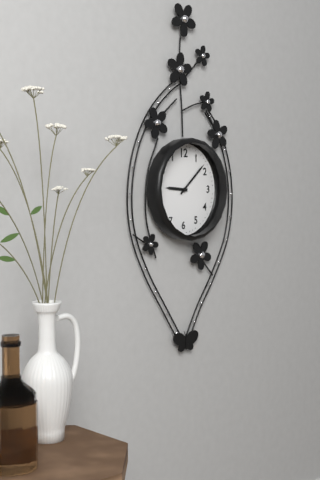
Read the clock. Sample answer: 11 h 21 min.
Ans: 9 h 08 min
